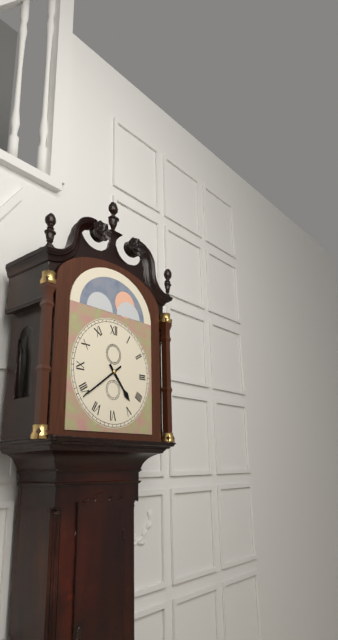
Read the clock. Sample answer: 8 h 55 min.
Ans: 4 h 39 min
